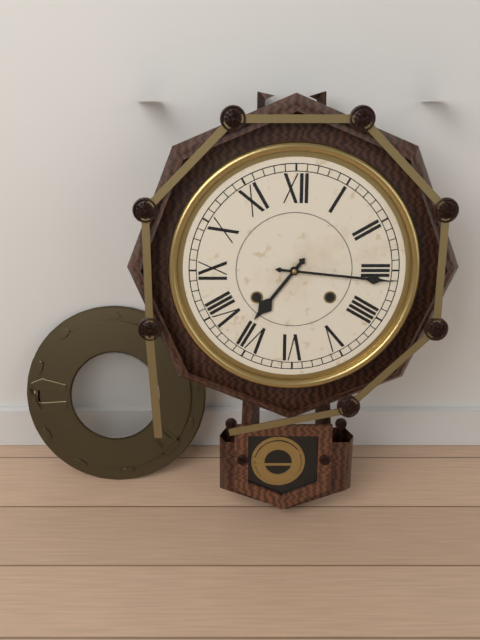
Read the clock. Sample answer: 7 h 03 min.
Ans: 7 h 16 min
